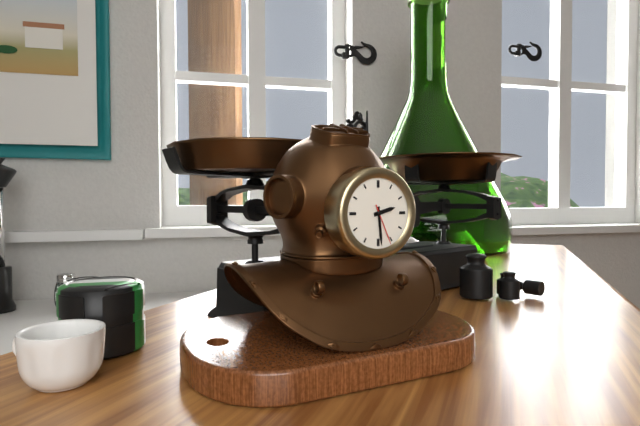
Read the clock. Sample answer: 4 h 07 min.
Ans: 2 h 29 min
